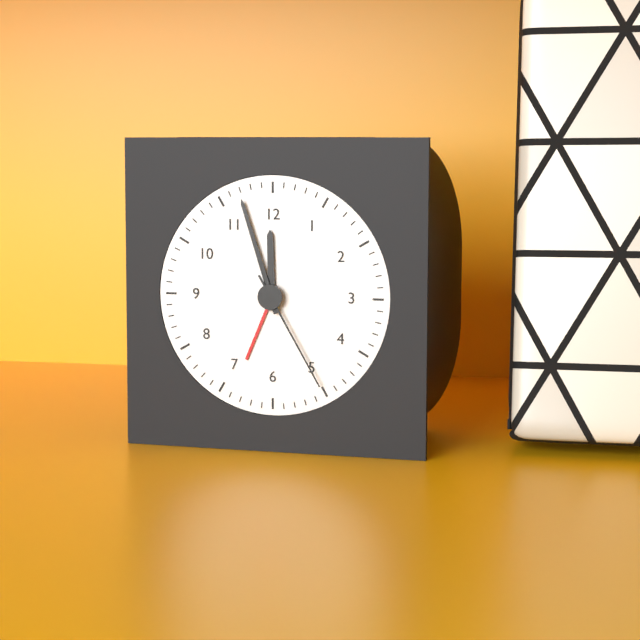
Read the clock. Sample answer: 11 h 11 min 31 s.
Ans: 11 h 57 min 25 s
